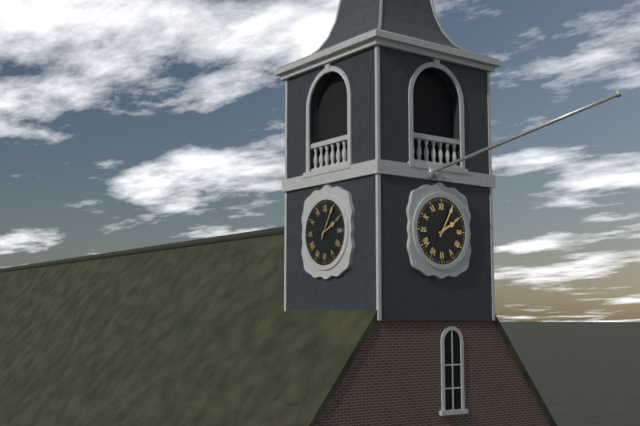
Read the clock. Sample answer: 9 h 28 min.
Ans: 2 h 05 min
